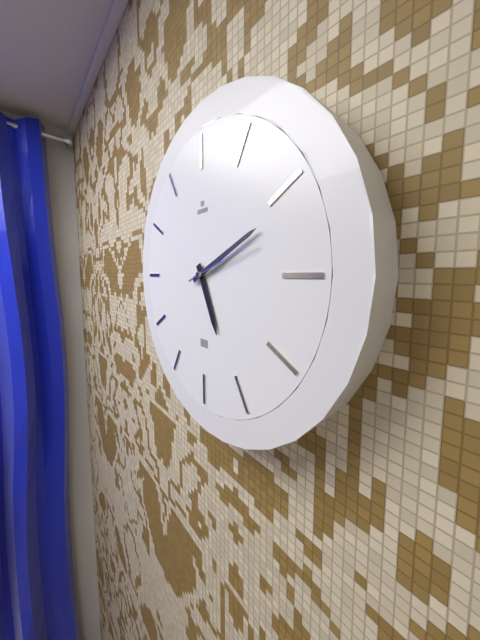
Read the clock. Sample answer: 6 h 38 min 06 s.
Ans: 5 h 11 min 12 s
